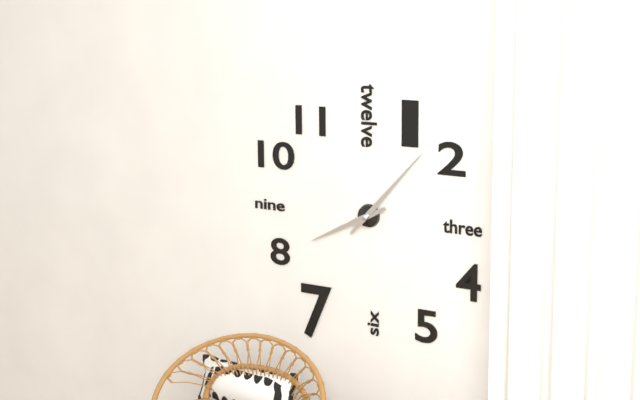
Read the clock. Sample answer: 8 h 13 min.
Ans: 8 h 07 min
